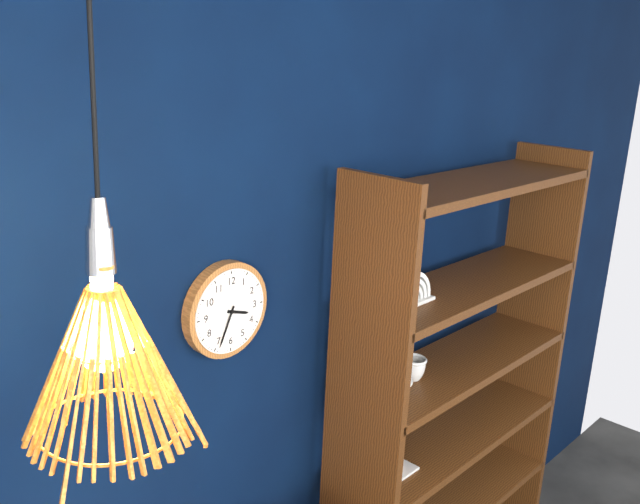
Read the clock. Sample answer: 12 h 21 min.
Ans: 3 h 34 min
